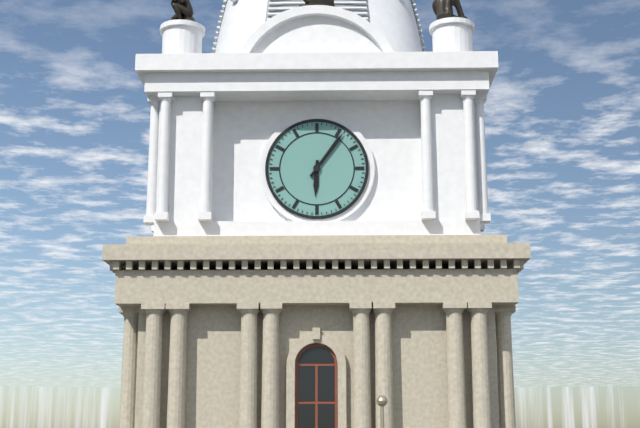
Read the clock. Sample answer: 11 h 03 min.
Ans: 6 h 06 min
